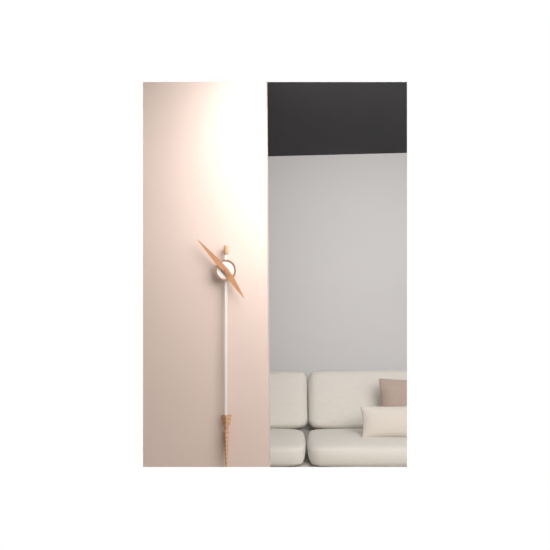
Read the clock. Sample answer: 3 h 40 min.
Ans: 4 h 53 min
